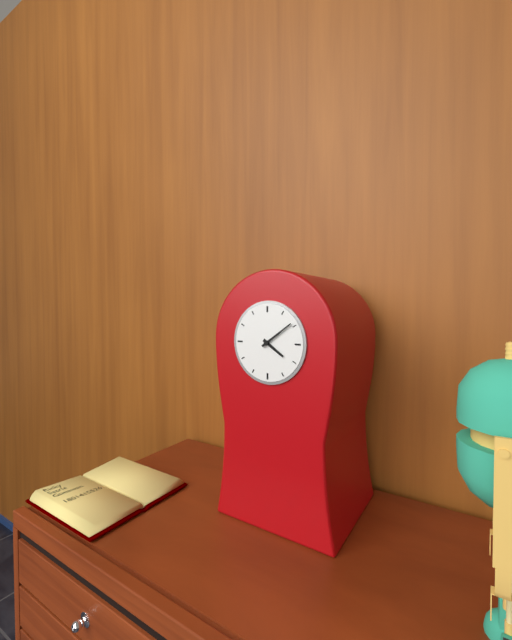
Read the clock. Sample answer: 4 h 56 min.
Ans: 4 h 09 min
